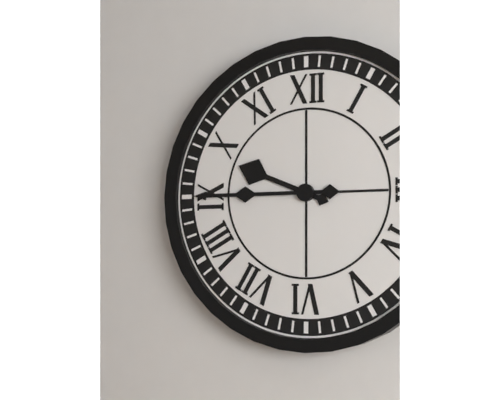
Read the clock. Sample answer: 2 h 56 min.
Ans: 9 h 45 min
